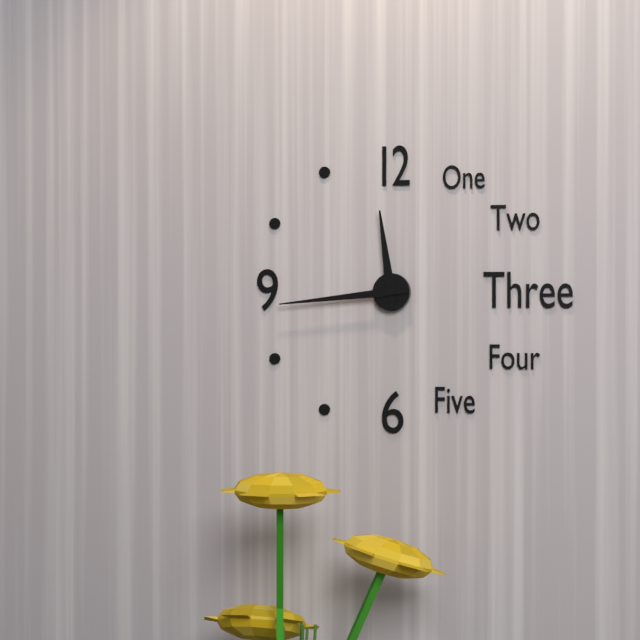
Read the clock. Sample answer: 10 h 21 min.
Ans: 11 h 44 min
